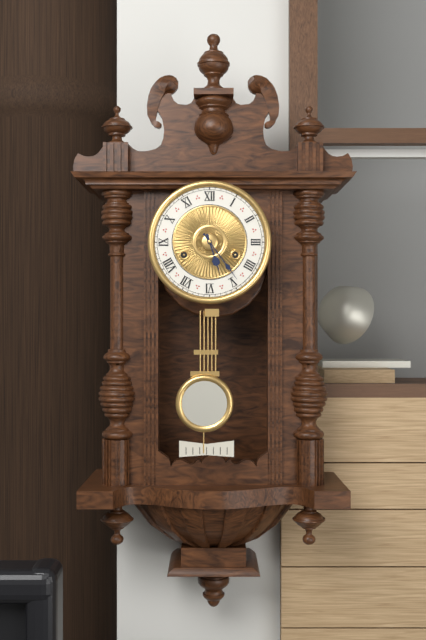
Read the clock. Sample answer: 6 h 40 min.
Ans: 5 h 24 min
